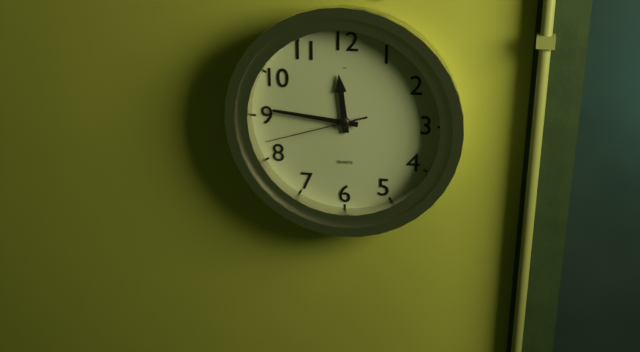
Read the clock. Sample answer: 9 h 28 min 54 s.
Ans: 11 h 46 min 42 s
